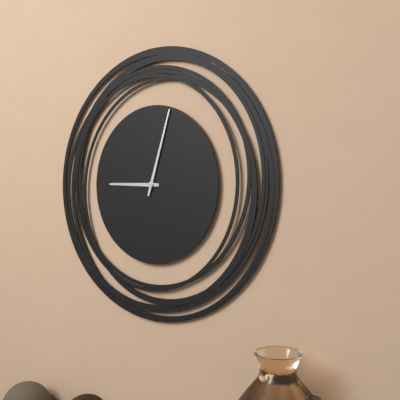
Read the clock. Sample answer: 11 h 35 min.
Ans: 9 h 03 min
